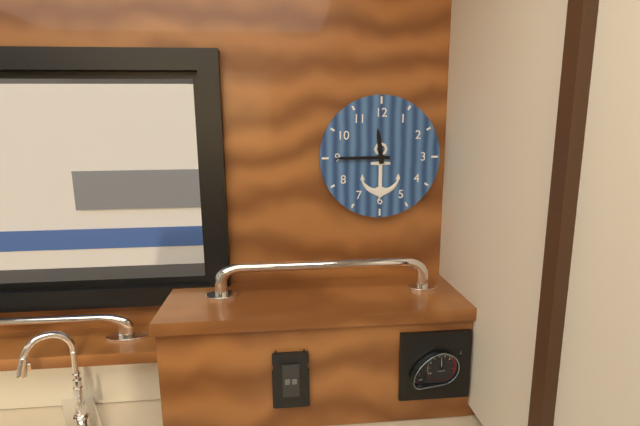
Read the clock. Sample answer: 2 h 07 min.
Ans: 11 h 45 min
